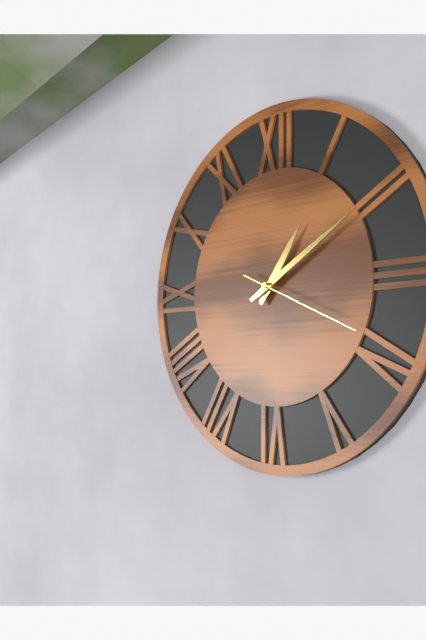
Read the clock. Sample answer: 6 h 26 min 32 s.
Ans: 1 h 10 min 19 s
